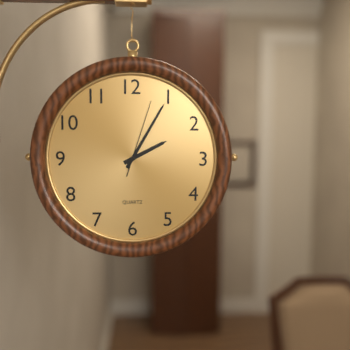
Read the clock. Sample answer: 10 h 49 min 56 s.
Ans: 2 h 05 min 03 s
